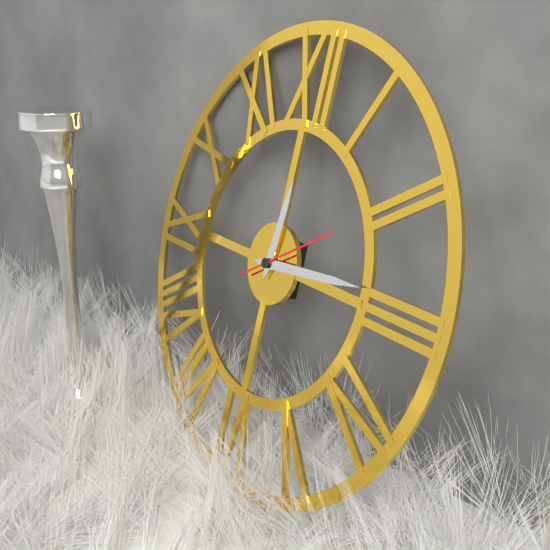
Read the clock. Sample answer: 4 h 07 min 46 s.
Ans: 12 h 14 min 10 s
